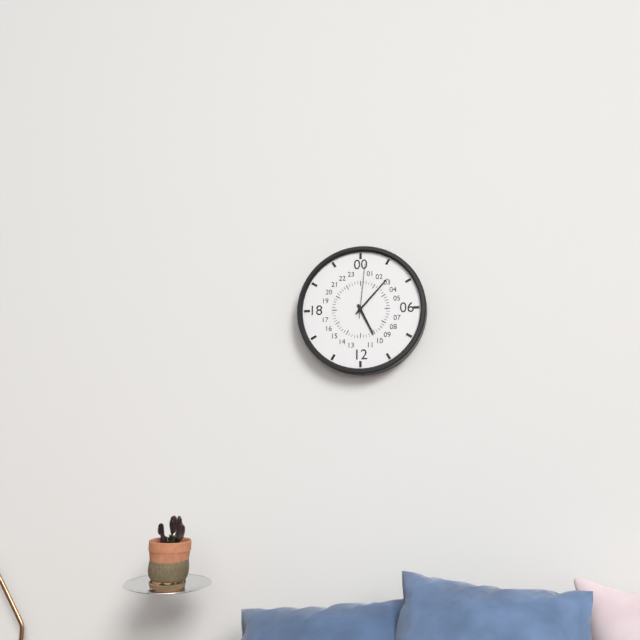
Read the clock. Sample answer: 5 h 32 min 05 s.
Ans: 5 h 07 min 01 s
